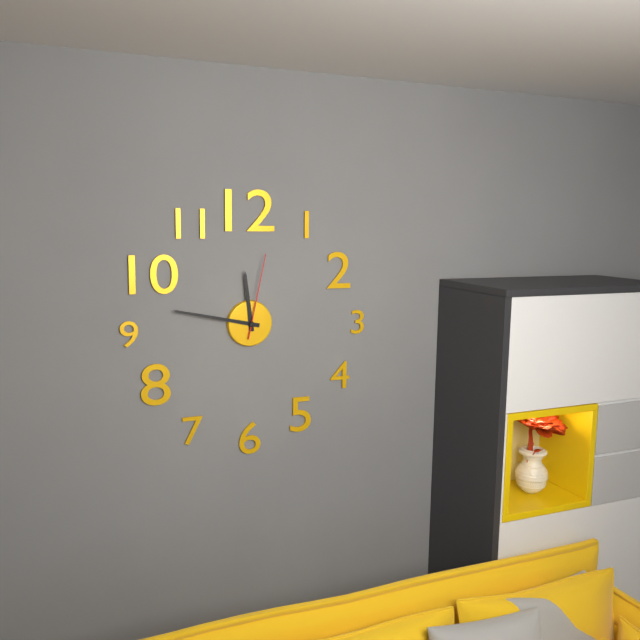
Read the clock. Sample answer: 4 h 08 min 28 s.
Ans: 11 h 47 min 02 s
